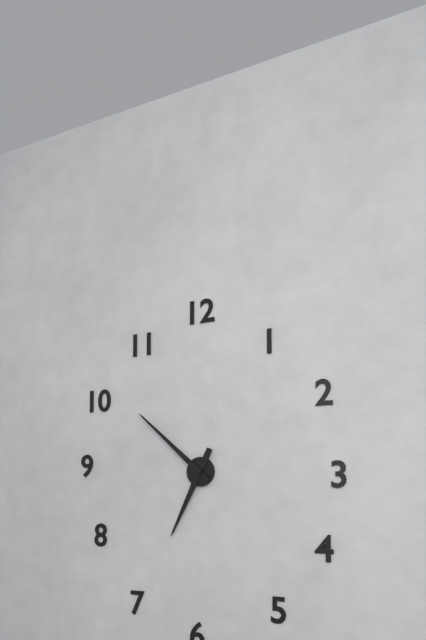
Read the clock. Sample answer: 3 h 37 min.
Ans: 6 h 52 min
